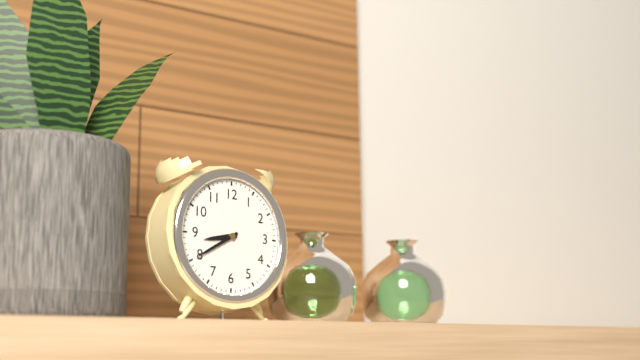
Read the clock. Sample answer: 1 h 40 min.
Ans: 8 h 40 min
